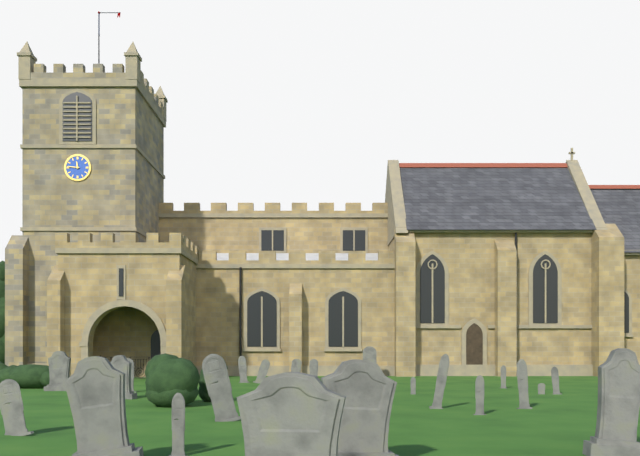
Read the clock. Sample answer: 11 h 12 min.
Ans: 11 h 46 min
